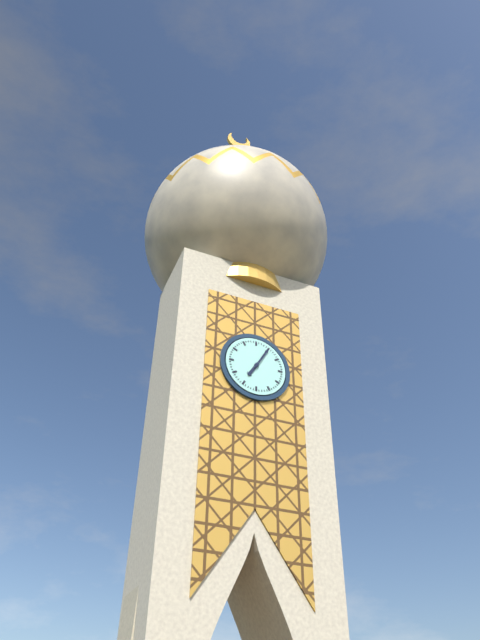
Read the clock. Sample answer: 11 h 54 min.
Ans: 7 h 05 min
